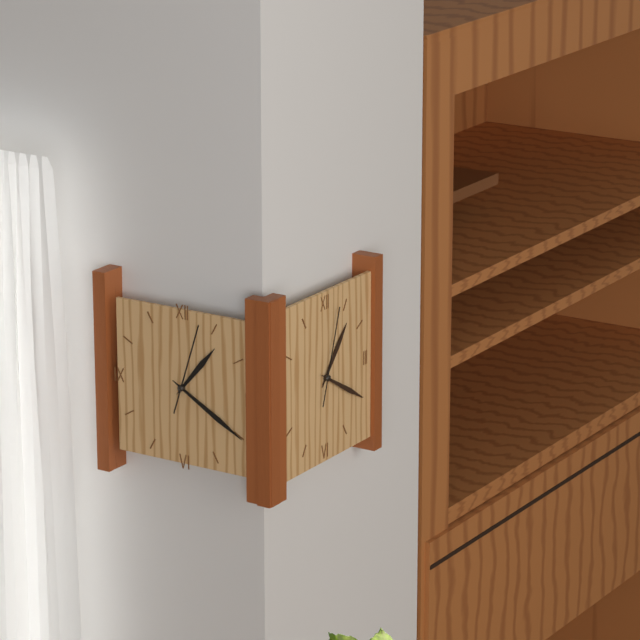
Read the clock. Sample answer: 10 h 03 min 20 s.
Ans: 1 h 20 min 03 s
